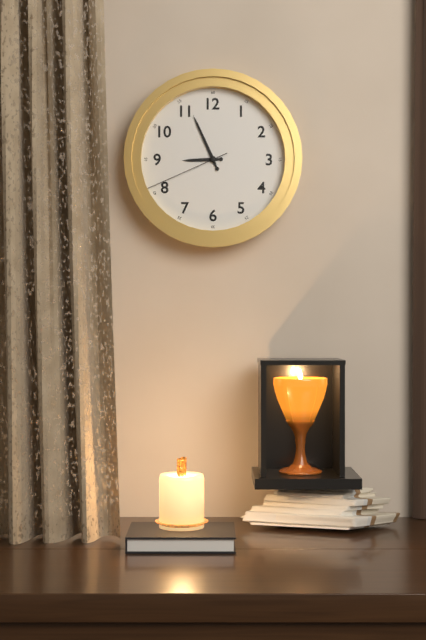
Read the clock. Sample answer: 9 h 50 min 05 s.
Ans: 8 h 56 min 41 s
